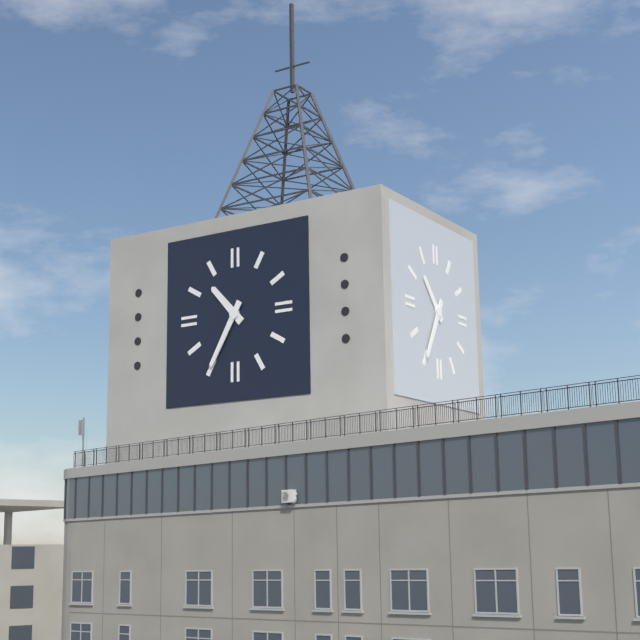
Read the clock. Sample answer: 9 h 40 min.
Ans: 10 h 35 min
